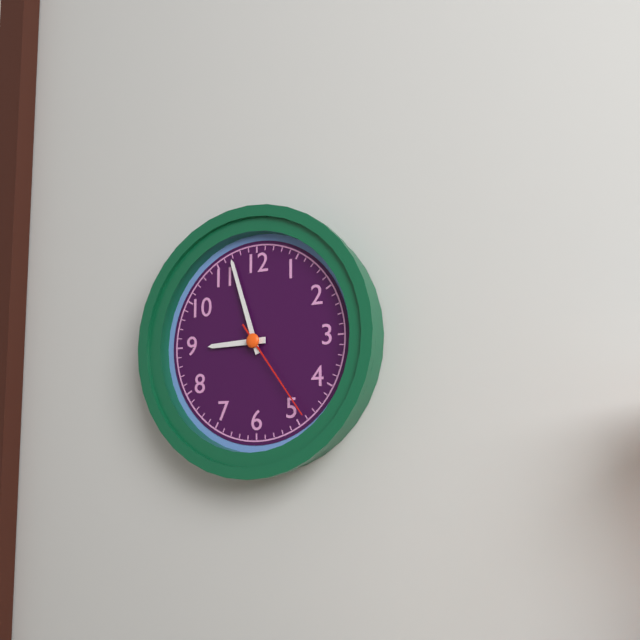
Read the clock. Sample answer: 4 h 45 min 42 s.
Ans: 8 h 57 min 24 s
